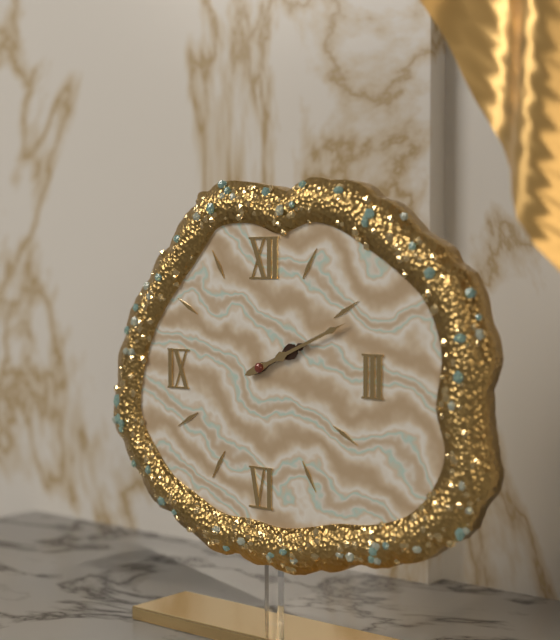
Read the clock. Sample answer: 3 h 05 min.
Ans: 2 h 11 min
